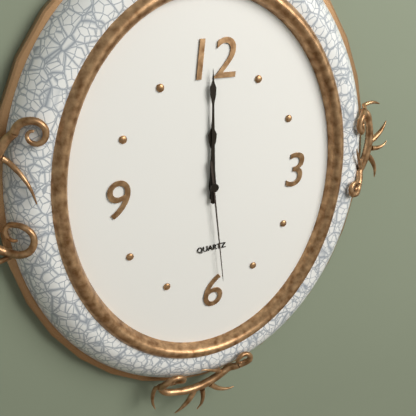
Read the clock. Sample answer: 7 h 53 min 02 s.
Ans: 12 h 00 min 29 s
